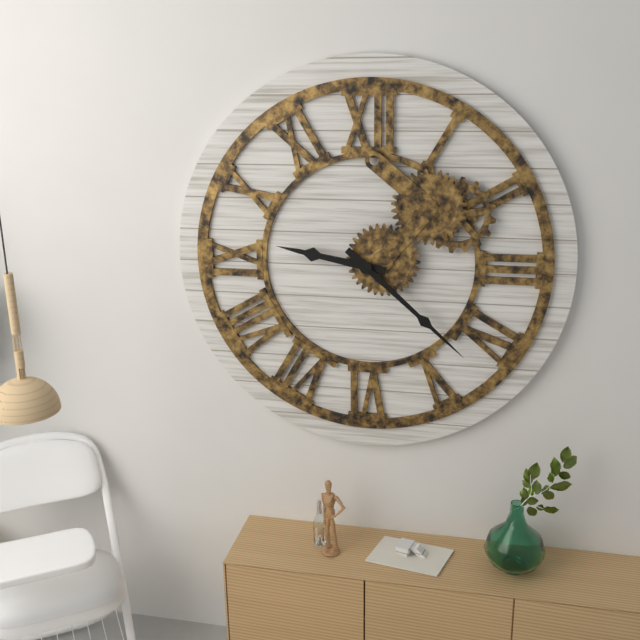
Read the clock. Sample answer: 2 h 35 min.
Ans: 9 h 22 min
